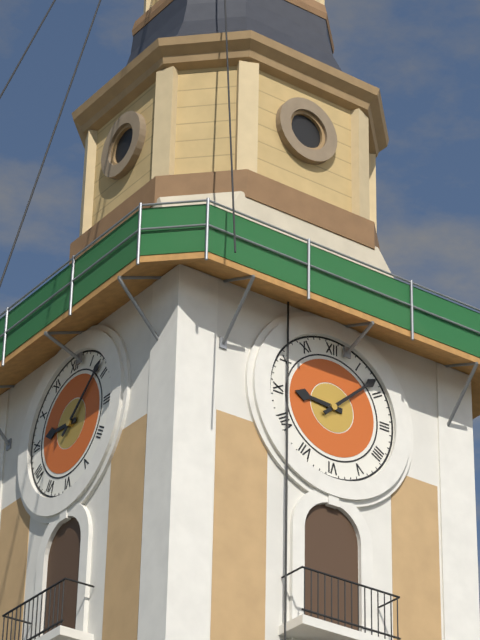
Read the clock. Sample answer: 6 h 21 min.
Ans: 9 h 08 min
